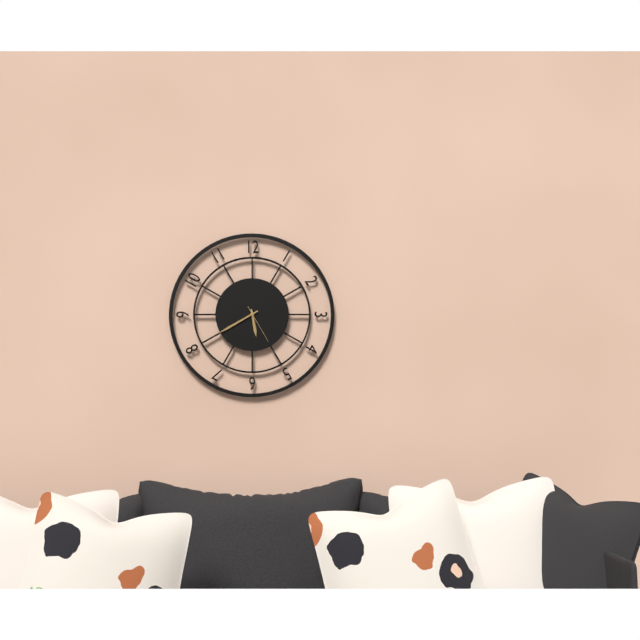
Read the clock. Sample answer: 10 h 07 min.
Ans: 5 h 40 min
